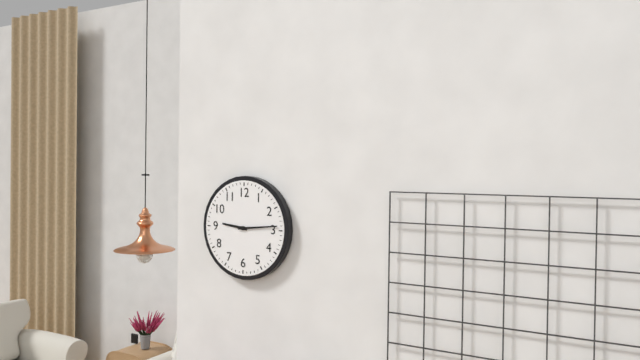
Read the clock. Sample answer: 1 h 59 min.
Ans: 9 h 14 min
